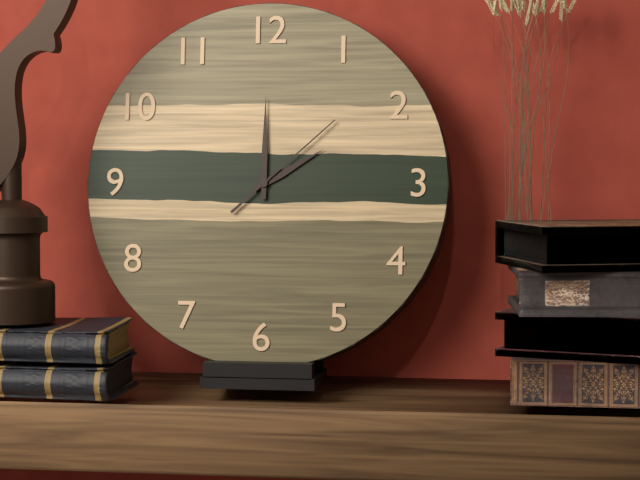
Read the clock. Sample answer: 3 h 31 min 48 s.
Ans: 2 h 00 min 08 s
